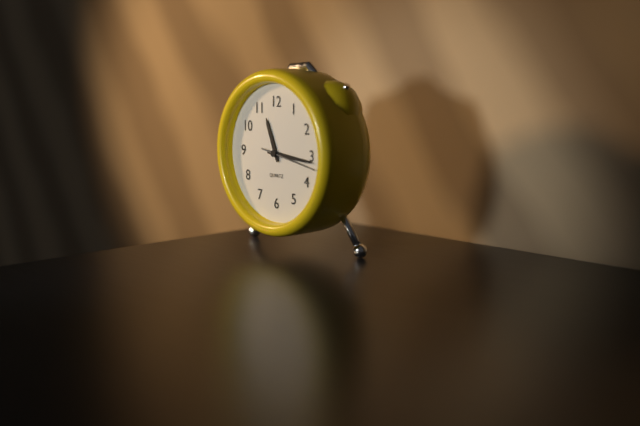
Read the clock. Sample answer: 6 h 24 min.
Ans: 11 h 16 min
